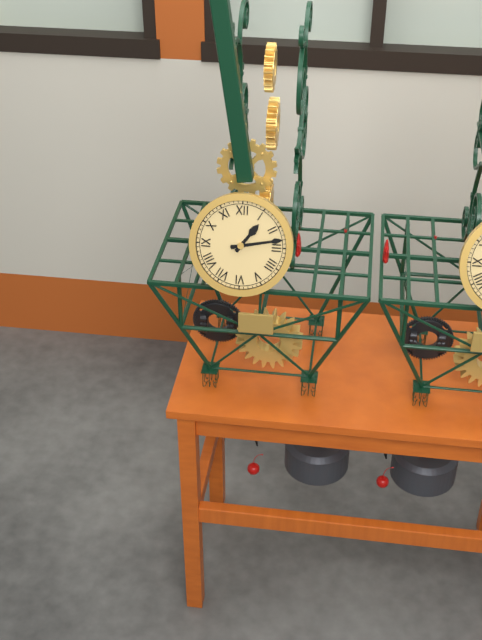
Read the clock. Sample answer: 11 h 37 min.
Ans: 1 h 13 min
